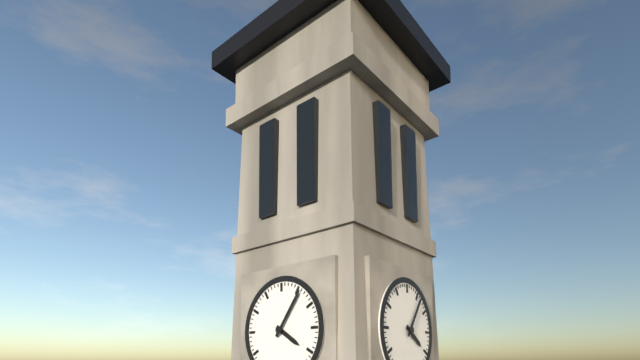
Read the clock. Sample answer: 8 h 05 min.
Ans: 4 h 06 min
